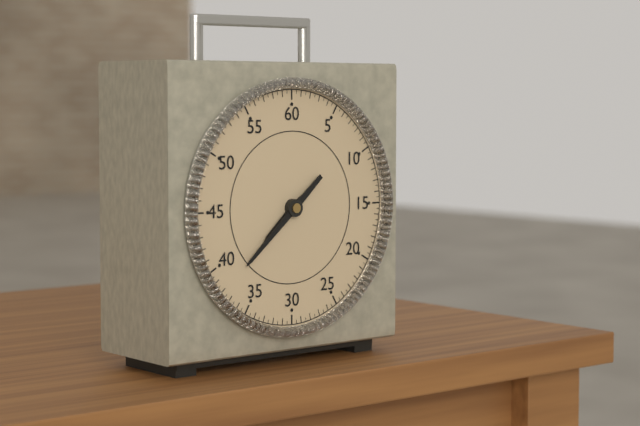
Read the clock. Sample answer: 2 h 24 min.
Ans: 7 h 38 min
